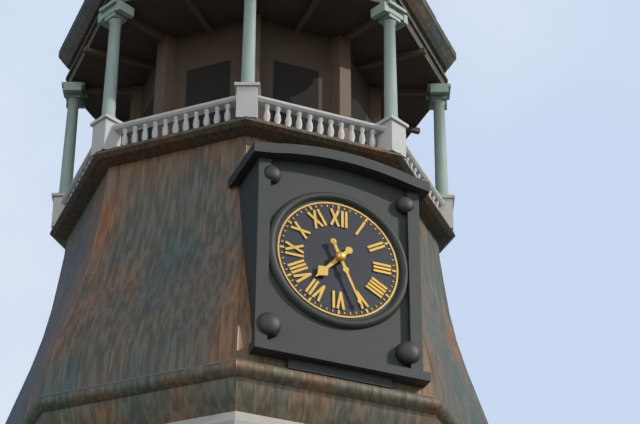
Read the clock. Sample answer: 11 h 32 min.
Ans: 7 h 26 min
